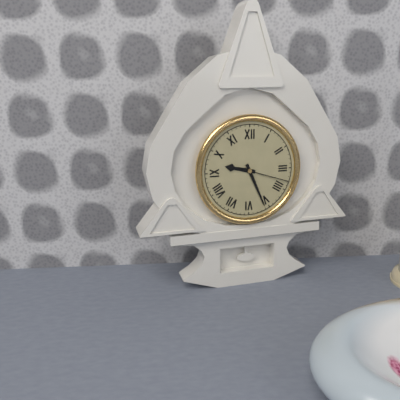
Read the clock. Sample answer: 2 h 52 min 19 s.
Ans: 9 h 26 min 18 s
